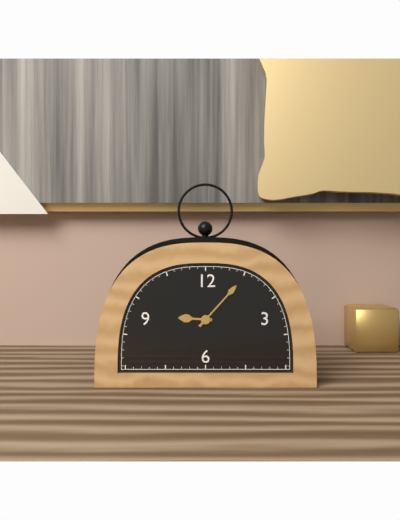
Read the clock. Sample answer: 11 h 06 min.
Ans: 9 h 07 min
